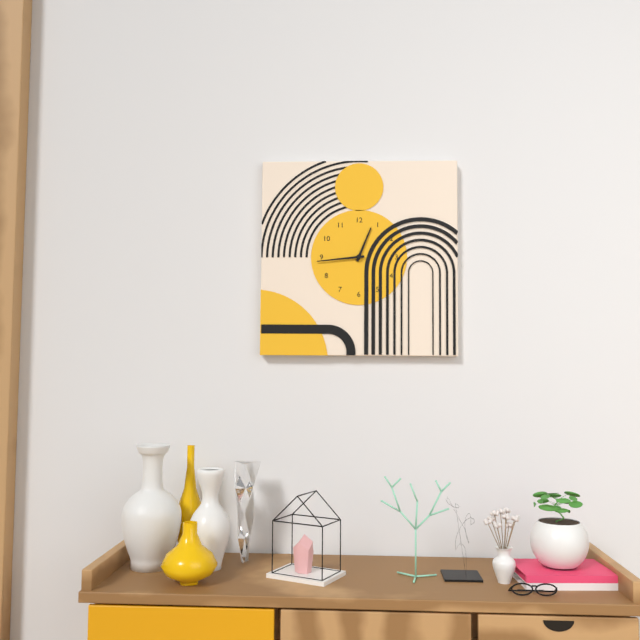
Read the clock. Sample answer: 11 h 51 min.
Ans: 12 h 44 min
